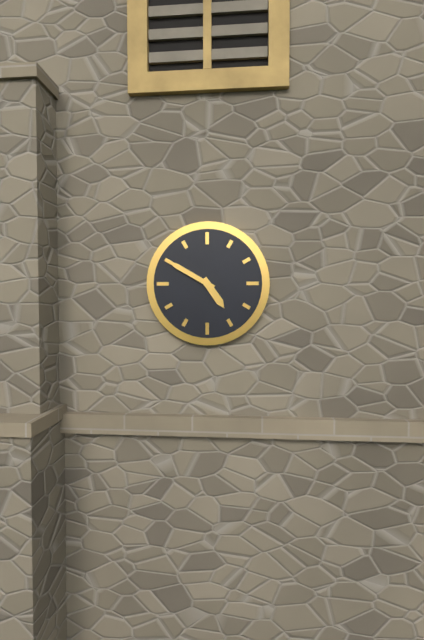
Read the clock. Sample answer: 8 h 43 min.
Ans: 4 h 50 min
